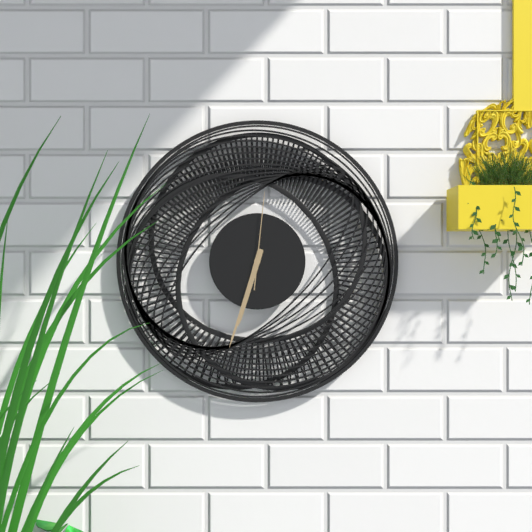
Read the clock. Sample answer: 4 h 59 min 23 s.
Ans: 6 h 33 min 01 s
